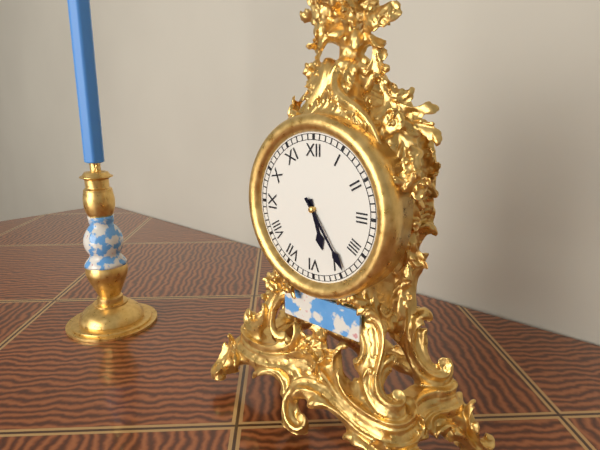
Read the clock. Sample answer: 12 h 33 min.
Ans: 5 h 24 min
